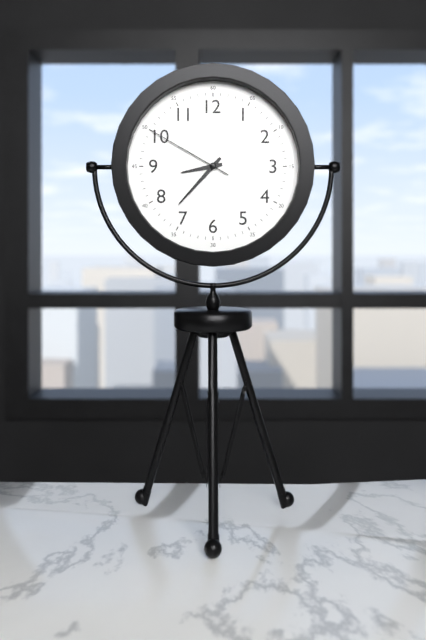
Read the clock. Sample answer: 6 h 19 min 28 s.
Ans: 8 h 37 min 50 s
